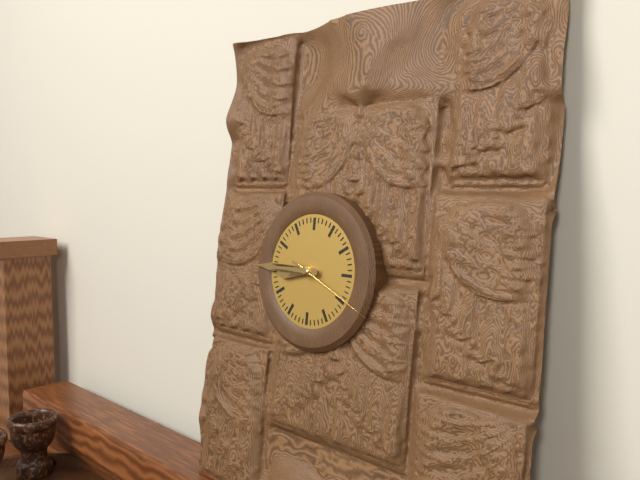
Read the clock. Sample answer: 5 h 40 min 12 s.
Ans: 8 h 45 min 19 s
